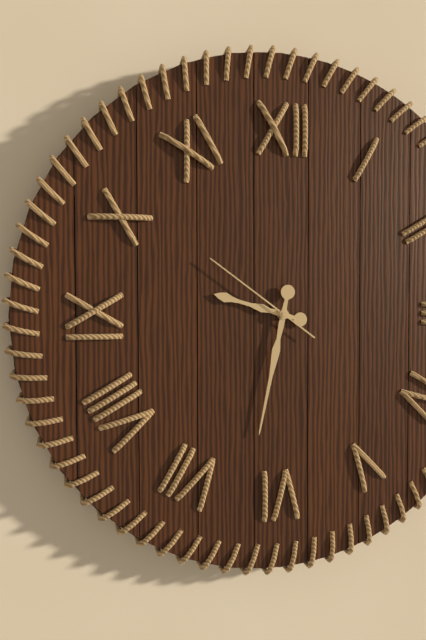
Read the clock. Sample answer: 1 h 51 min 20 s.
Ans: 9 h 32 min 51 s
